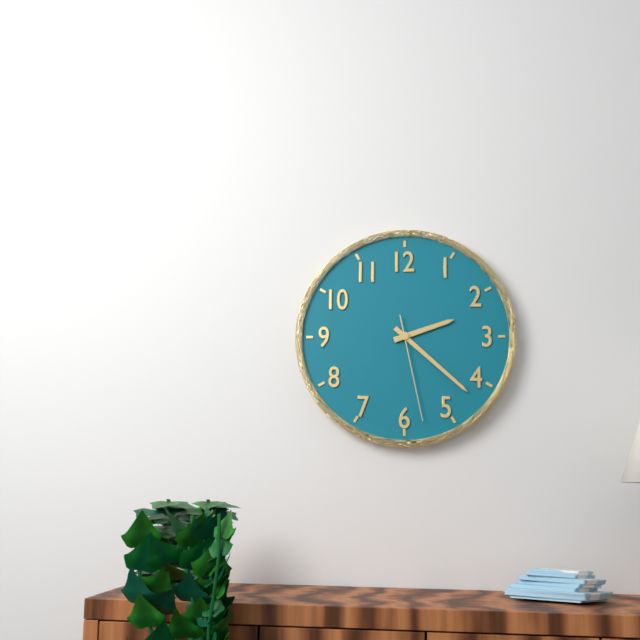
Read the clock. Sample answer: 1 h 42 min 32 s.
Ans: 2 h 22 min 28 s
